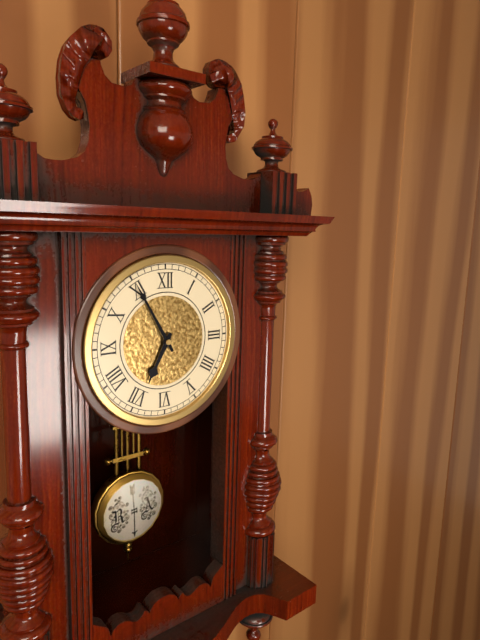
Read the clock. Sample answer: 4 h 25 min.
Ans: 6 h 55 min
